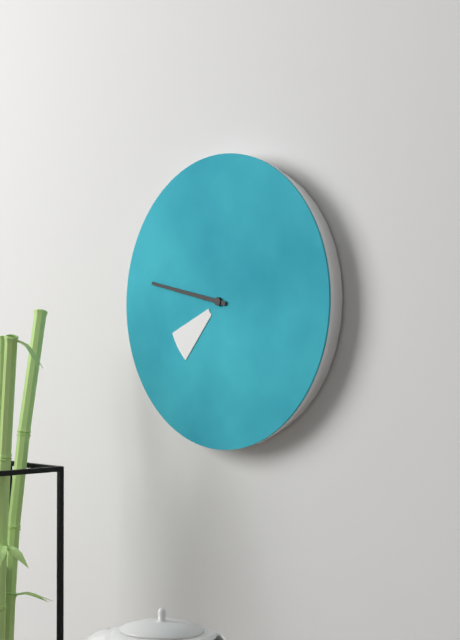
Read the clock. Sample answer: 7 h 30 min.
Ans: 7 h 47 min
